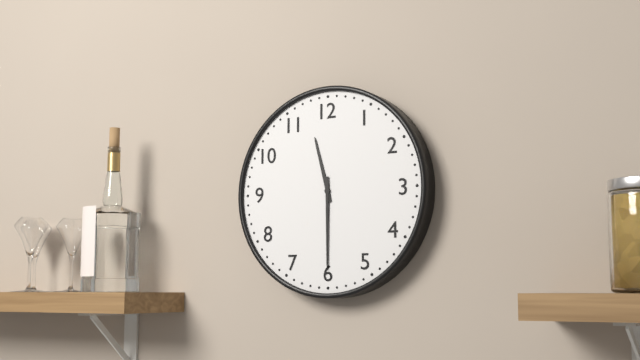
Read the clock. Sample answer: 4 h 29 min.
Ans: 11 h 30 min
